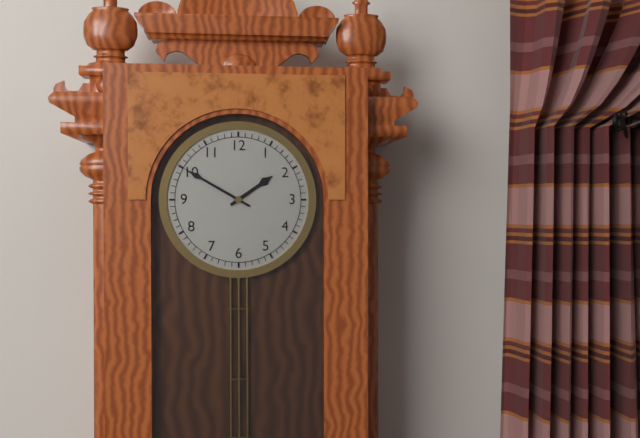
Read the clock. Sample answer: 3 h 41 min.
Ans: 1 h 50 min
